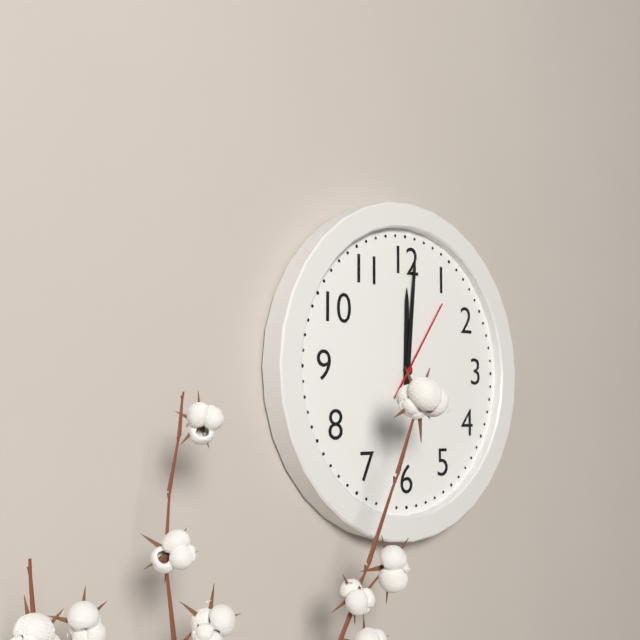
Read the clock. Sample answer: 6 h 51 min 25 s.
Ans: 12 h 01 min 06 s
